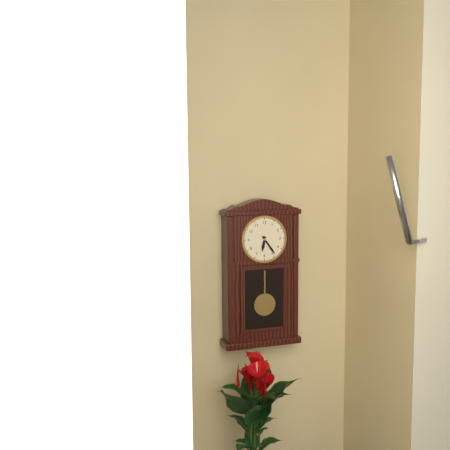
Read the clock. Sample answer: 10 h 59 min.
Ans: 6 h 24 min
